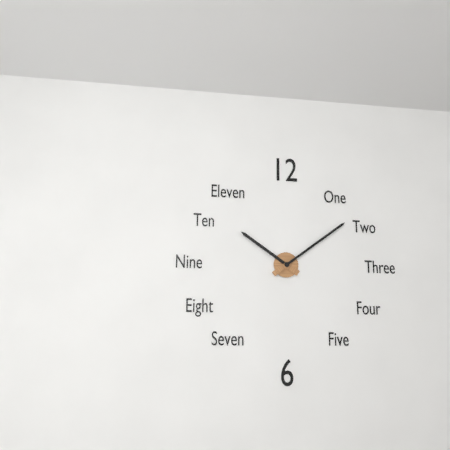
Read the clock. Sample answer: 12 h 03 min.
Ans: 10 h 09 min
